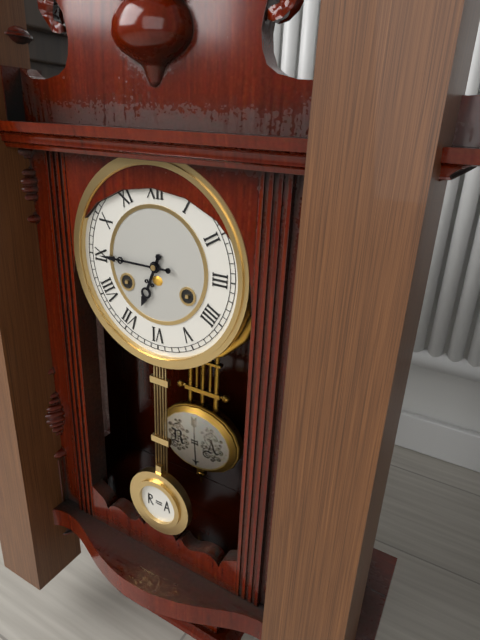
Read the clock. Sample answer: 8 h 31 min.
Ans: 6 h 45 min
